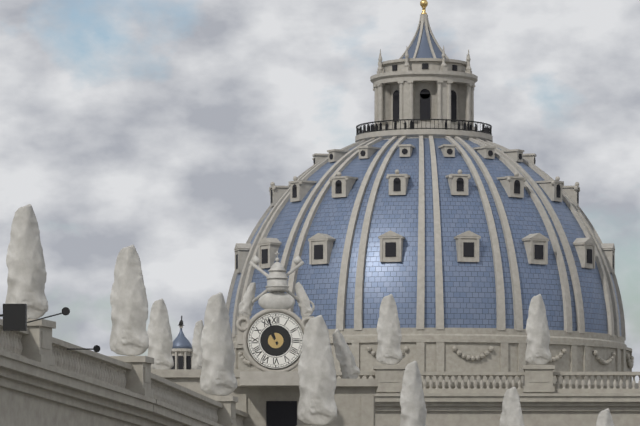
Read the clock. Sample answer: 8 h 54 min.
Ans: 10 h 57 min
